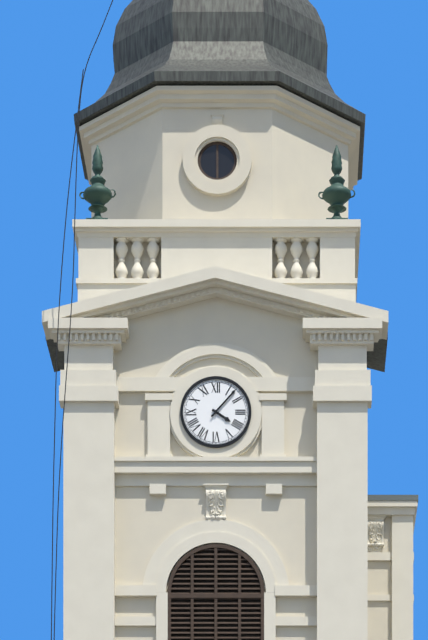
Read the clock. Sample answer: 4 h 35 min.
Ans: 4 h 07 min
